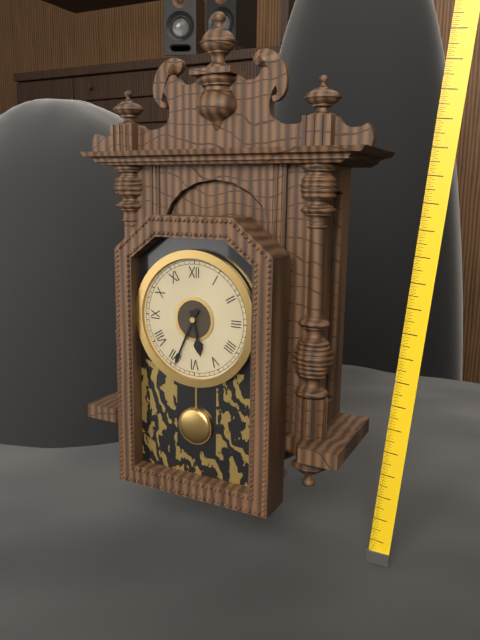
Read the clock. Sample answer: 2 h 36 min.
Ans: 5 h 34 min
